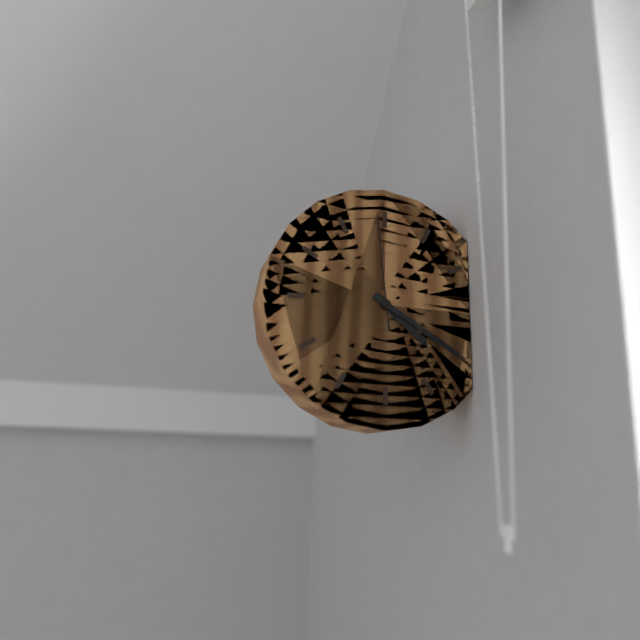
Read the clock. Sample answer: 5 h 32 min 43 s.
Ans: 4 h 20 min 59 s
